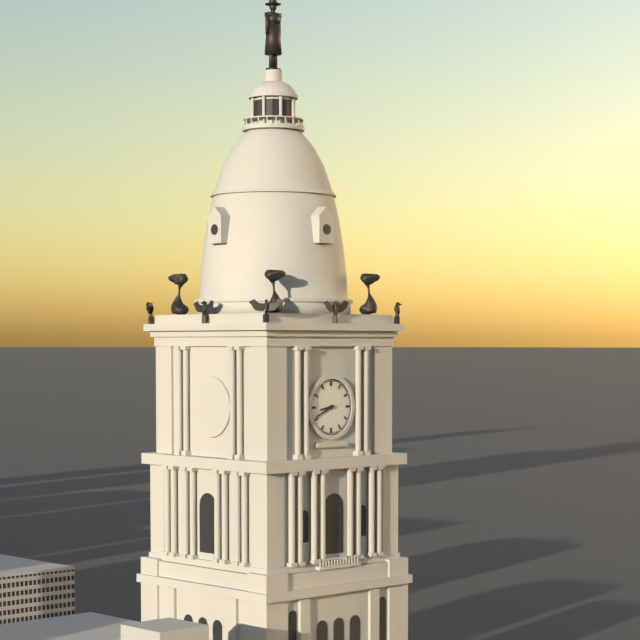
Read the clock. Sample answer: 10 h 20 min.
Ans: 8 h 41 min
